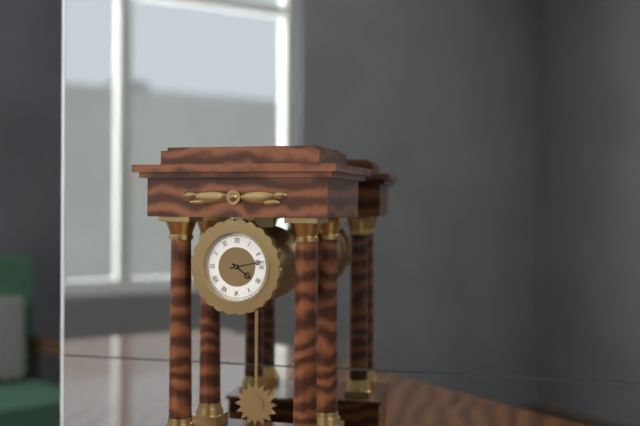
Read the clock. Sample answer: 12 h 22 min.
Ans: 4 h 13 min
